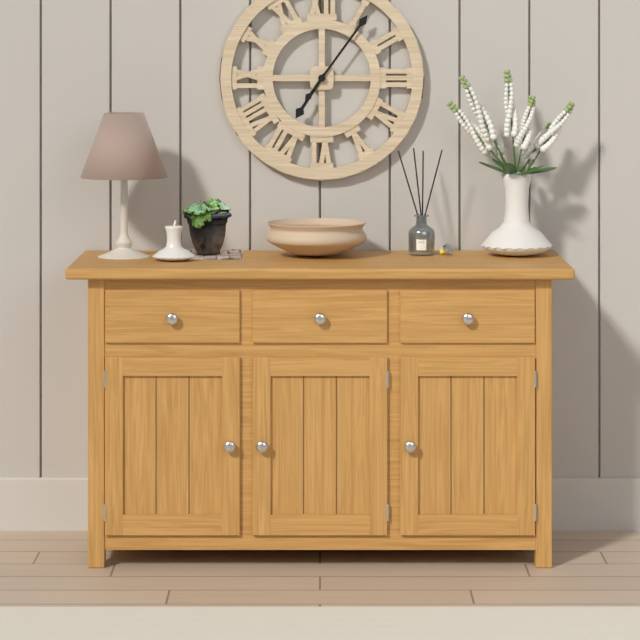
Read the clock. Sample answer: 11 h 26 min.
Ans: 7 h 06 min
